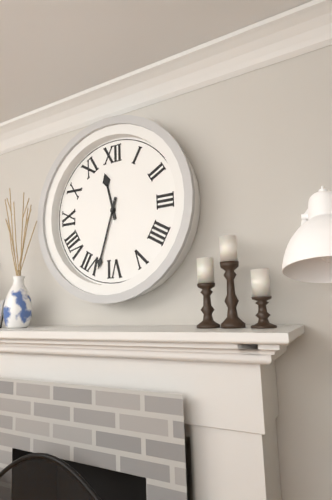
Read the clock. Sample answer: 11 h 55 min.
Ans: 11 h 33 min
